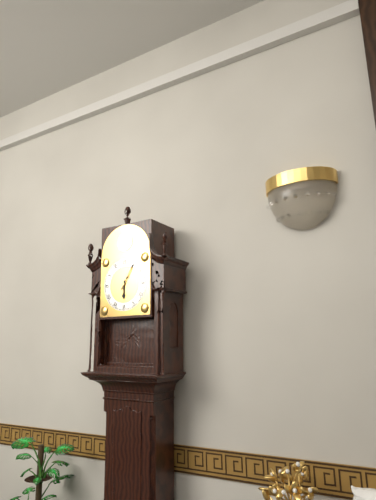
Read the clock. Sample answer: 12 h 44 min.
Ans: 6 h 05 min
